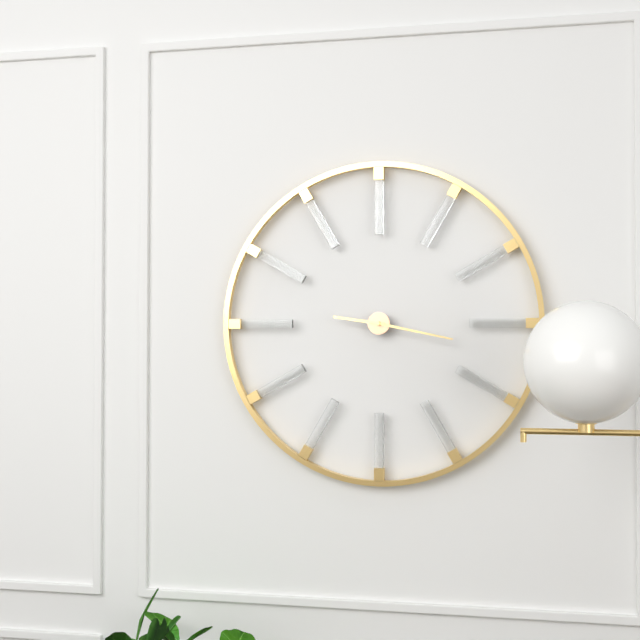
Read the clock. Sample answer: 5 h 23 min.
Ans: 9 h 17 min
